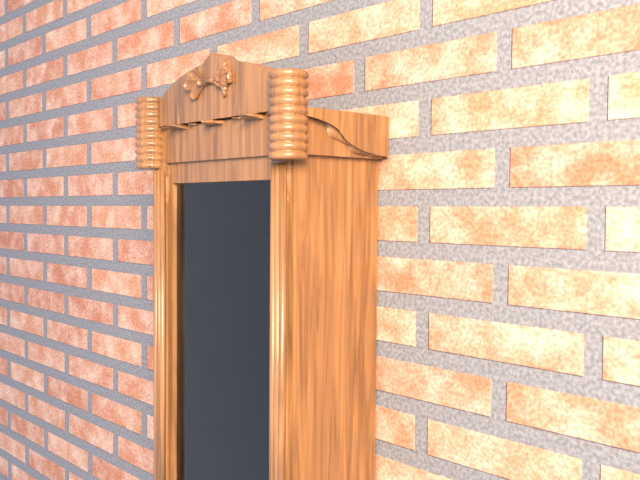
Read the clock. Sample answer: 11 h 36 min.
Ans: 10 h 39 min
